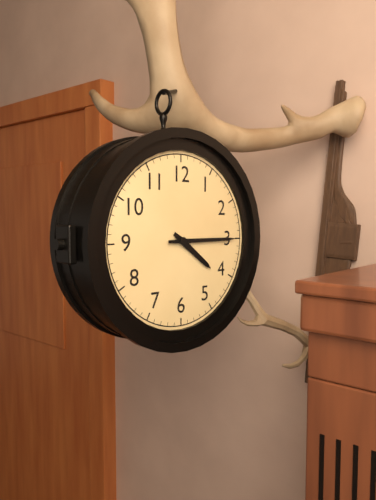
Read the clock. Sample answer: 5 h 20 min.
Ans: 4 h 15 min
